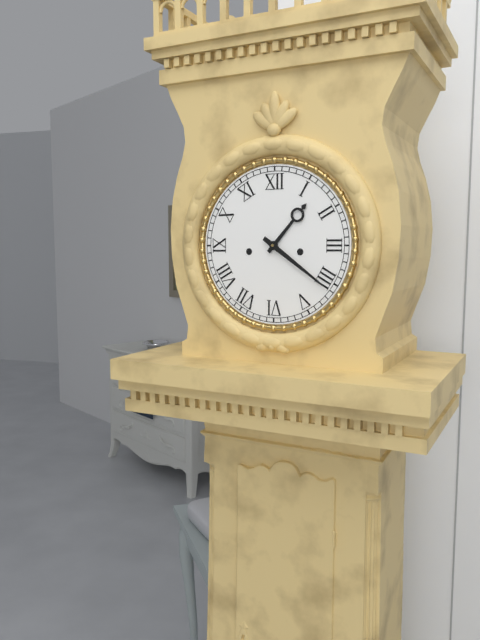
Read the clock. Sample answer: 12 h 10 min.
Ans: 1 h 21 min
